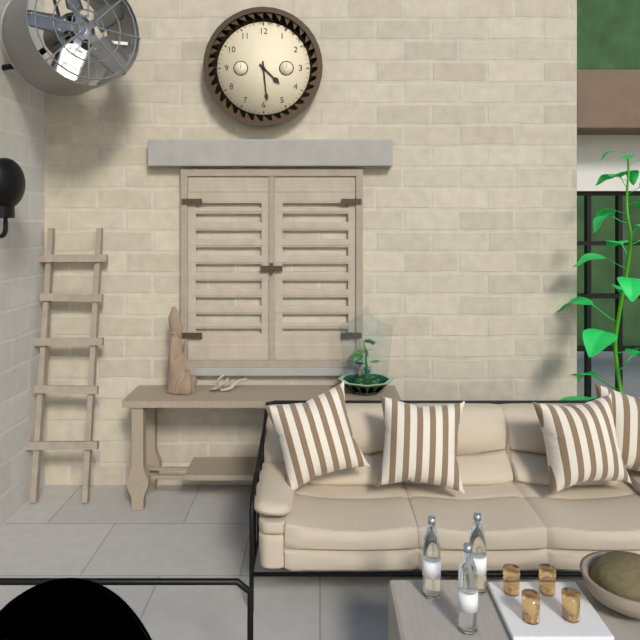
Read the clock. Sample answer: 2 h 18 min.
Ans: 4 h 29 min
